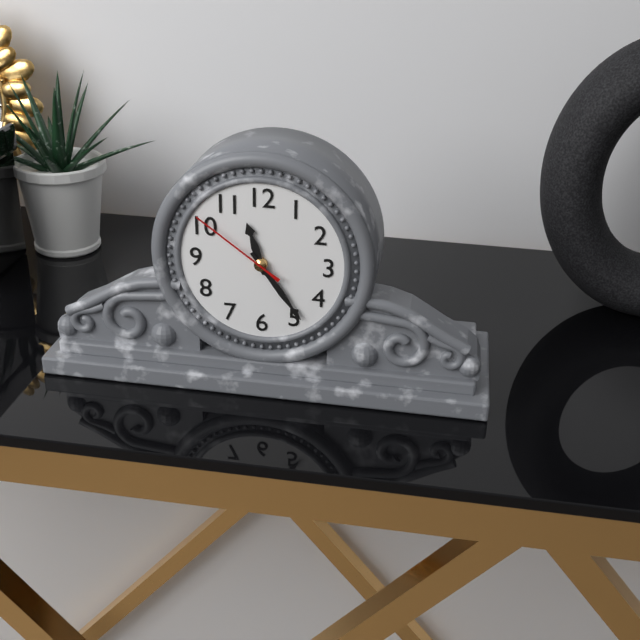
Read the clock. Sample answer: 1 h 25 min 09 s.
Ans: 11 h 24 min 51 s
